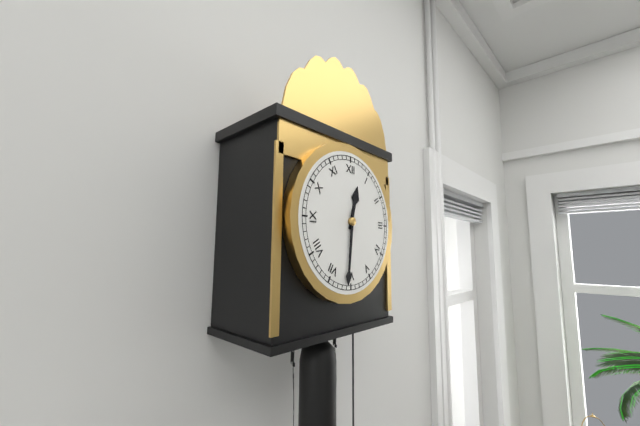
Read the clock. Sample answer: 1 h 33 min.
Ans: 12 h 31 min
